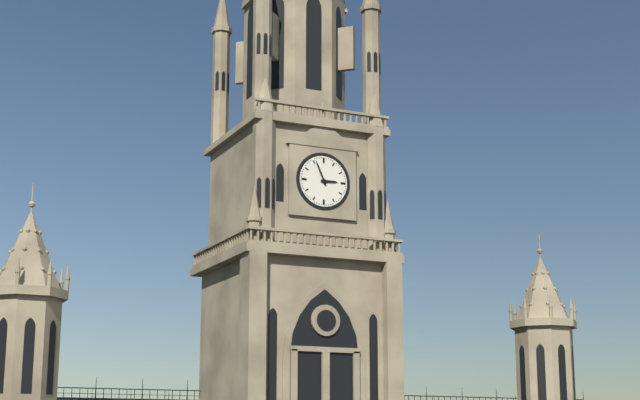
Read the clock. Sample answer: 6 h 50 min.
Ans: 2 h 56 min
